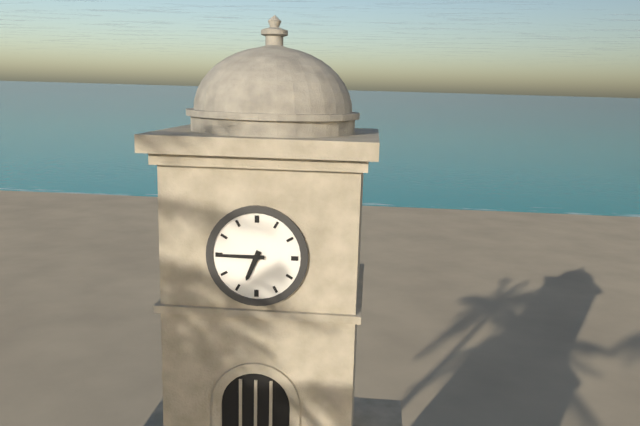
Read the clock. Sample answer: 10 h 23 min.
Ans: 6 h 45 min
